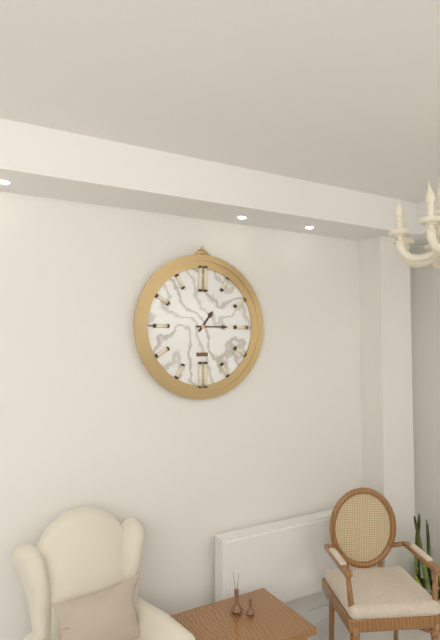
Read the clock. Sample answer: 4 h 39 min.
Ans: 1 h 15 min
